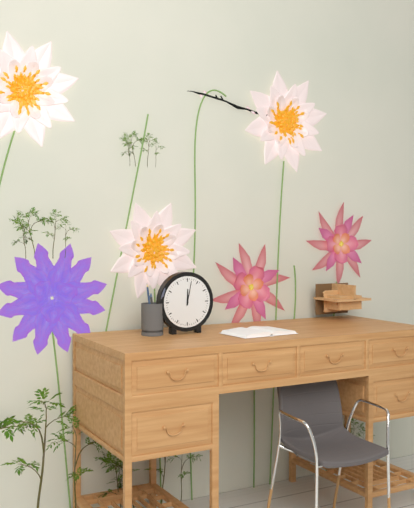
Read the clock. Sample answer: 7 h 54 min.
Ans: 12 h 02 min
